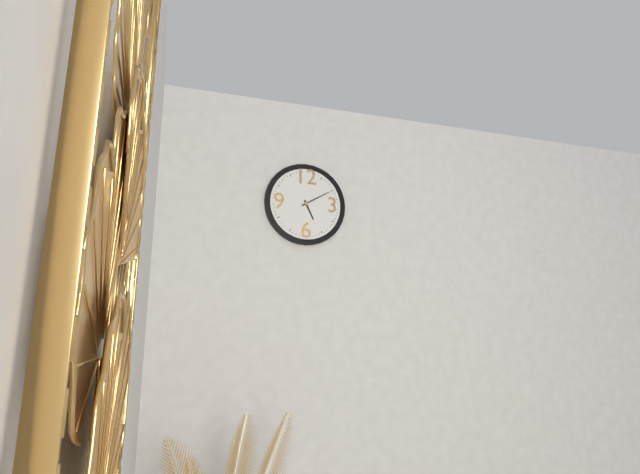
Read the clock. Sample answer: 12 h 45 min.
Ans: 5 h 10 min
